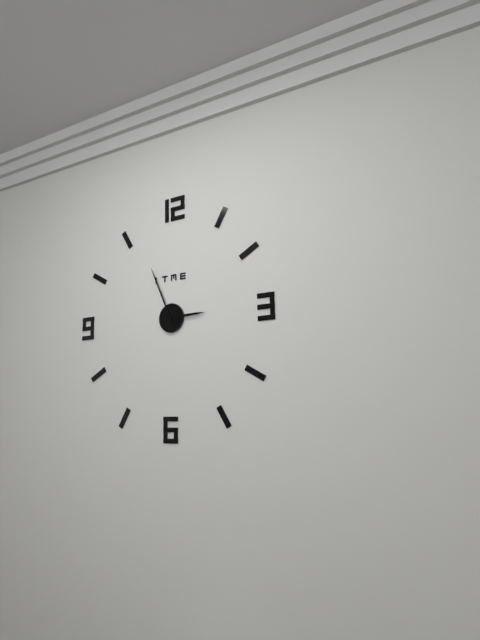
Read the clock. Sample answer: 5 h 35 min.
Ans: 2 h 56 min
